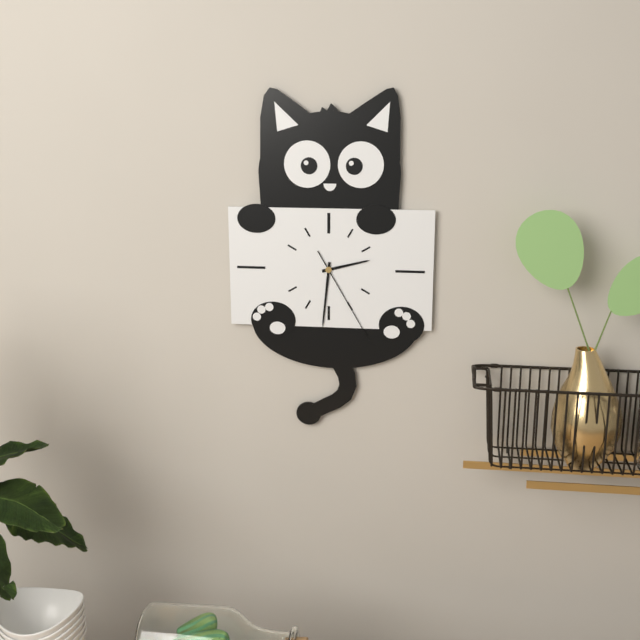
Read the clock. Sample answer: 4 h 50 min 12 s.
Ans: 2 h 31 min 25 s
